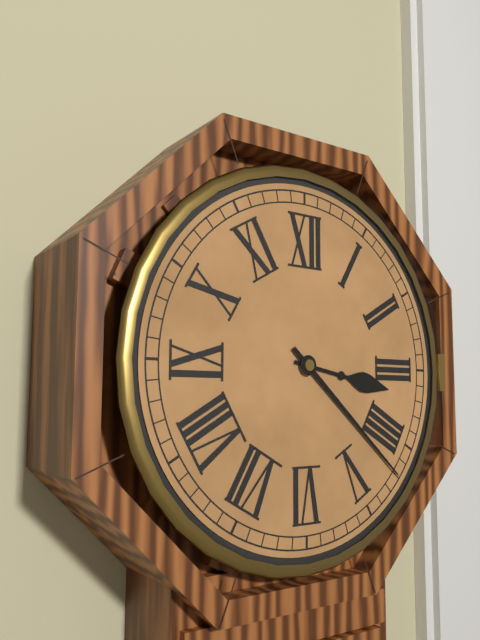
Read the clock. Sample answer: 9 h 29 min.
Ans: 3 h 22 min
